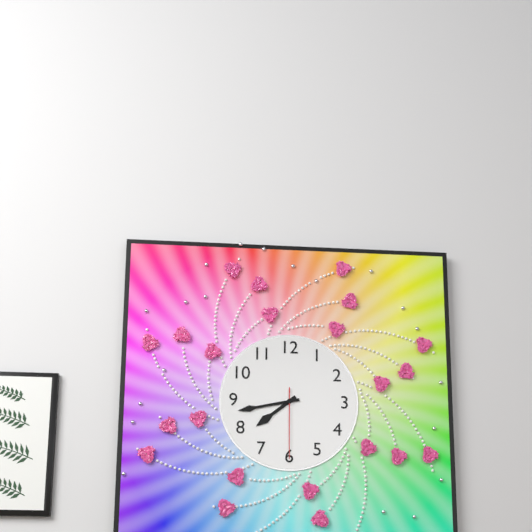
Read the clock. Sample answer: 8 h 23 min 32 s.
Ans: 7 h 43 min 30 s
